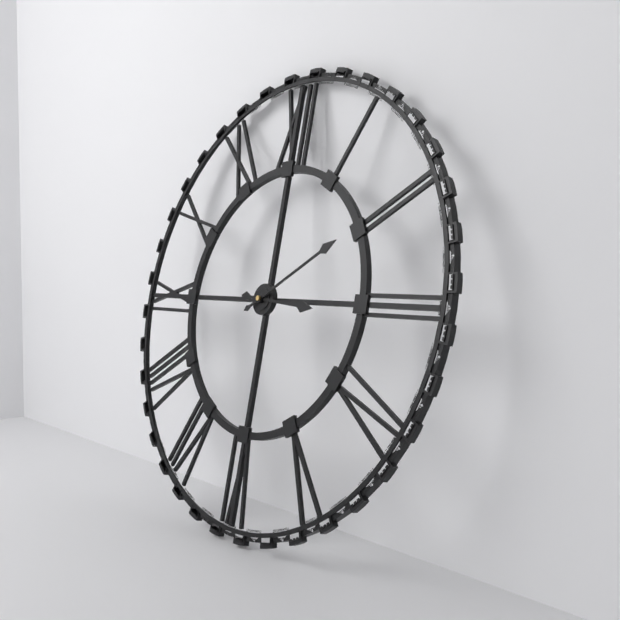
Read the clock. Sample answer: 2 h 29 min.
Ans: 3 h 10 min
